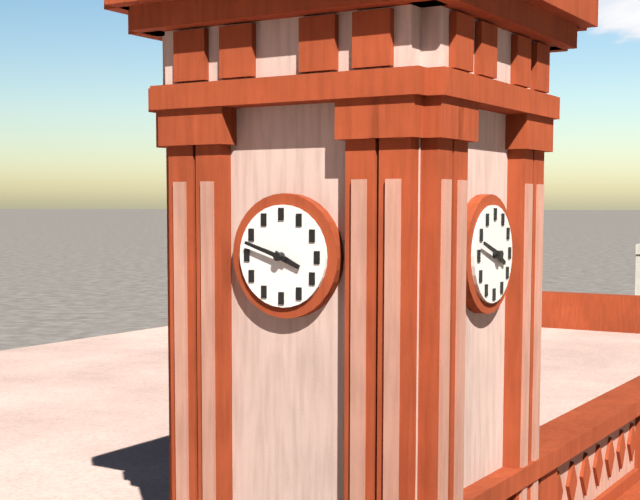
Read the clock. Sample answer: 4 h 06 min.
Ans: 3 h 48 min
